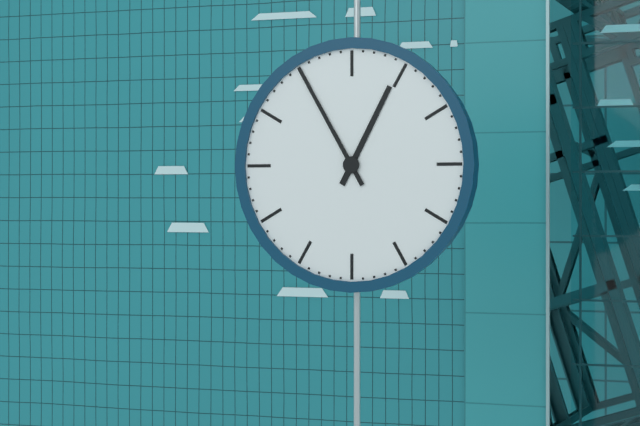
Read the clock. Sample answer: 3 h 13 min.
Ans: 12 h 55 min
